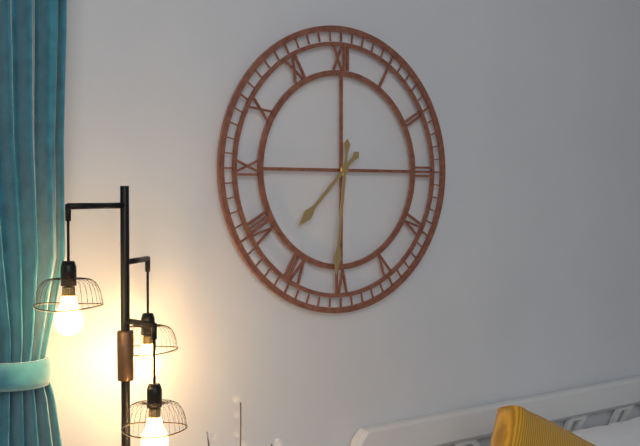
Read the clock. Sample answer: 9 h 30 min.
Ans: 7 h 31 min
